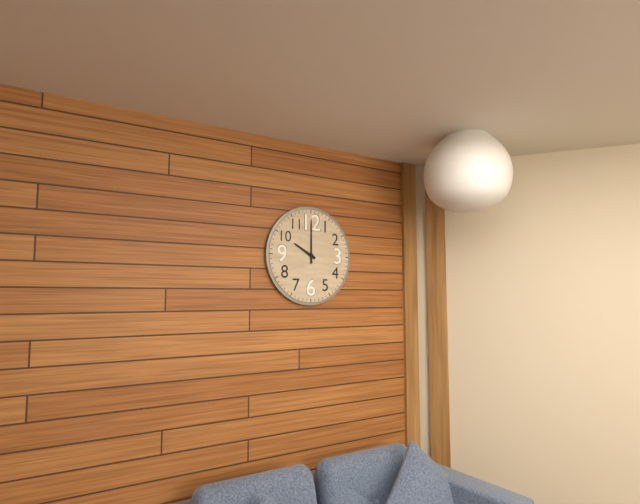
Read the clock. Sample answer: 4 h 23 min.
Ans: 10 h 00 min
